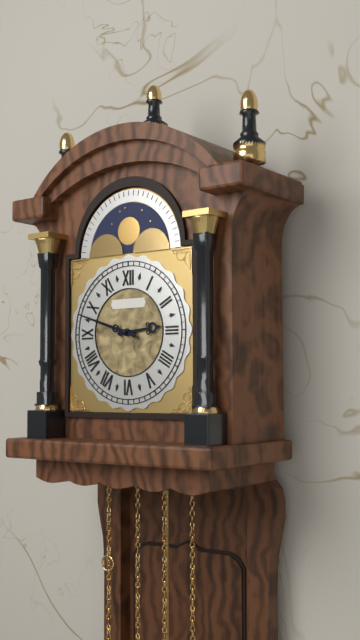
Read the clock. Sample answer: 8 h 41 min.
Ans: 2 h 48 min
